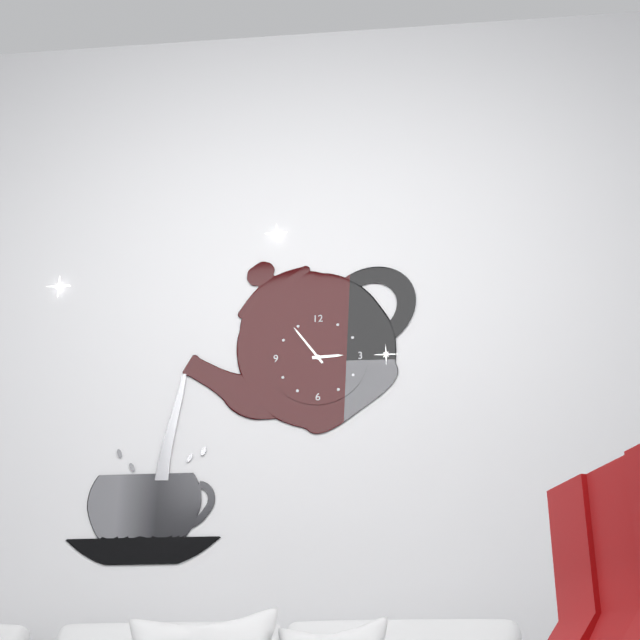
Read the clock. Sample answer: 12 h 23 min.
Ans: 2 h 54 min
